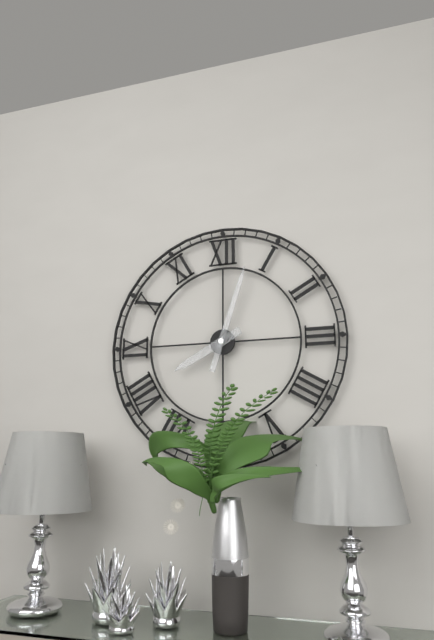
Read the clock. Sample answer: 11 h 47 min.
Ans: 8 h 03 min
